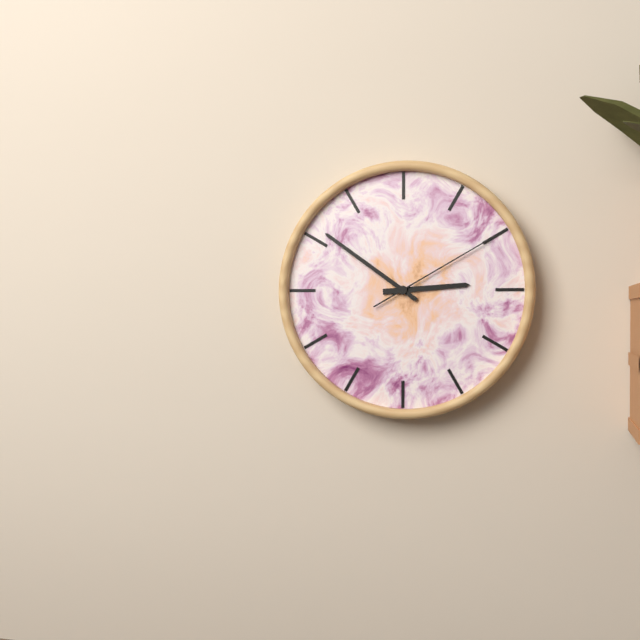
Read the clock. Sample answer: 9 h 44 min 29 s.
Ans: 2 h 51 min 10 s
